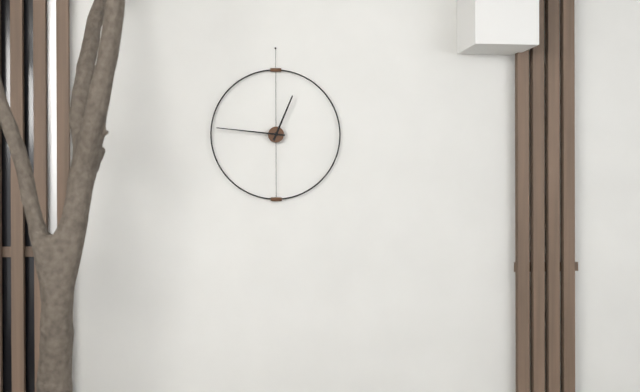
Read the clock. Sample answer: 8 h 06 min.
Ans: 12 h 46 min
